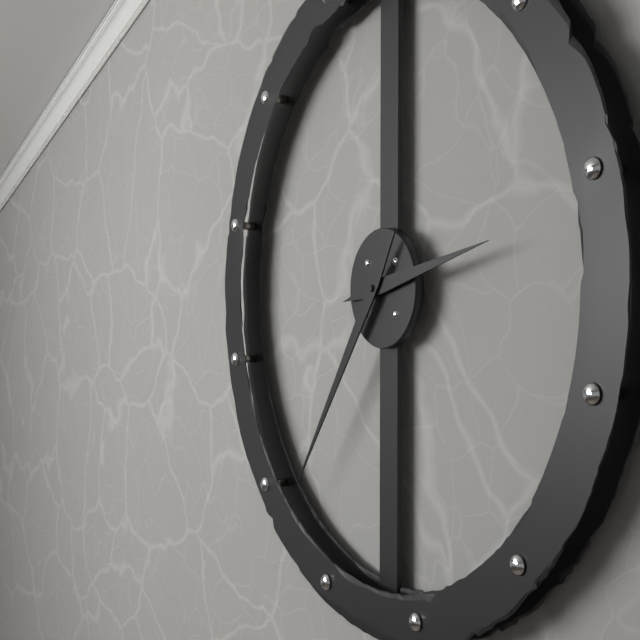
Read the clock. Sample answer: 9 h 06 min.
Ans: 2 h 36 min
